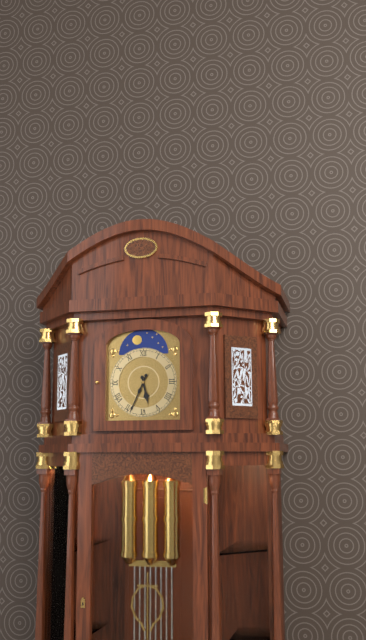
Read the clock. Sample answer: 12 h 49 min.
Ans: 5 h 34 min
